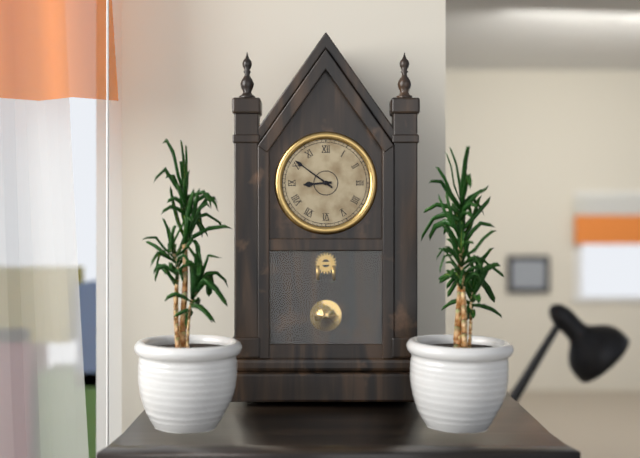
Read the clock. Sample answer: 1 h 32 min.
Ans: 8 h 51 min
